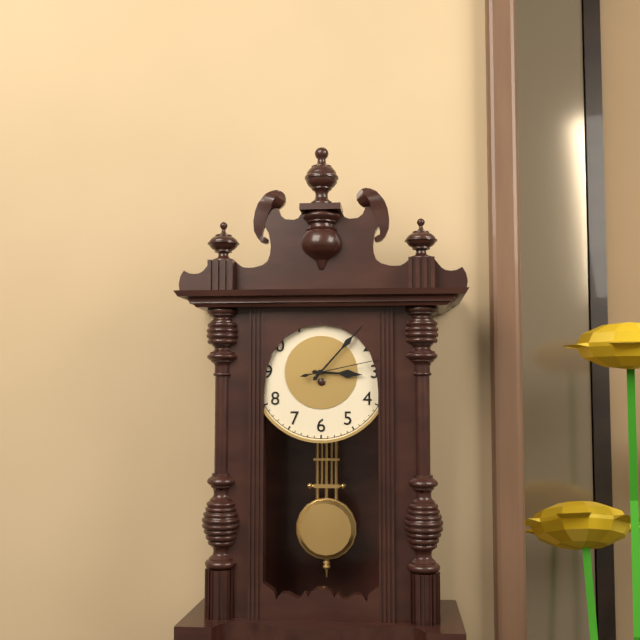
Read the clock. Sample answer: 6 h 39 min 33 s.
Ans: 3 h 07 min 13 s
